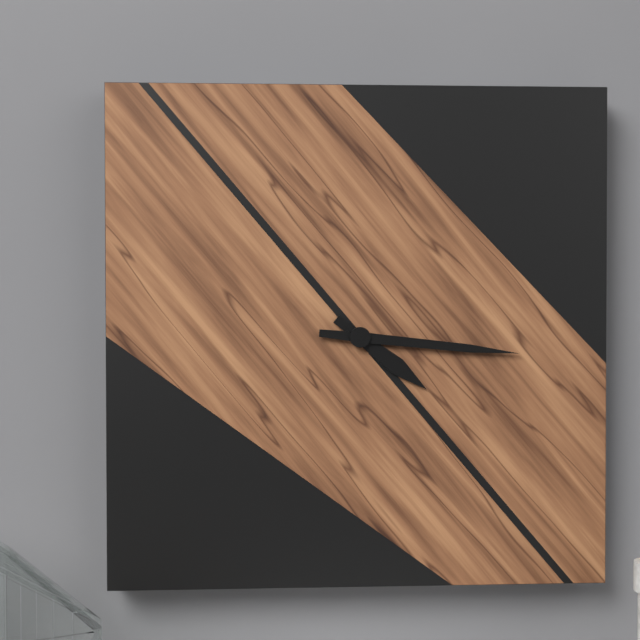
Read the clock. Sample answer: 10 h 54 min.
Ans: 4 h 16 min
